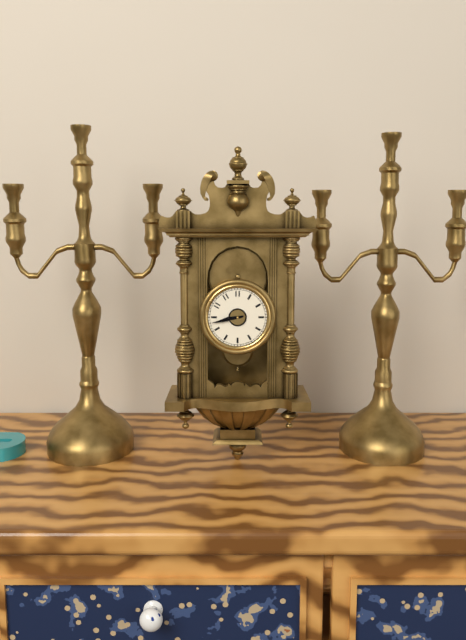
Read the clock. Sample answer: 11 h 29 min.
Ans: 8 h 43 min
